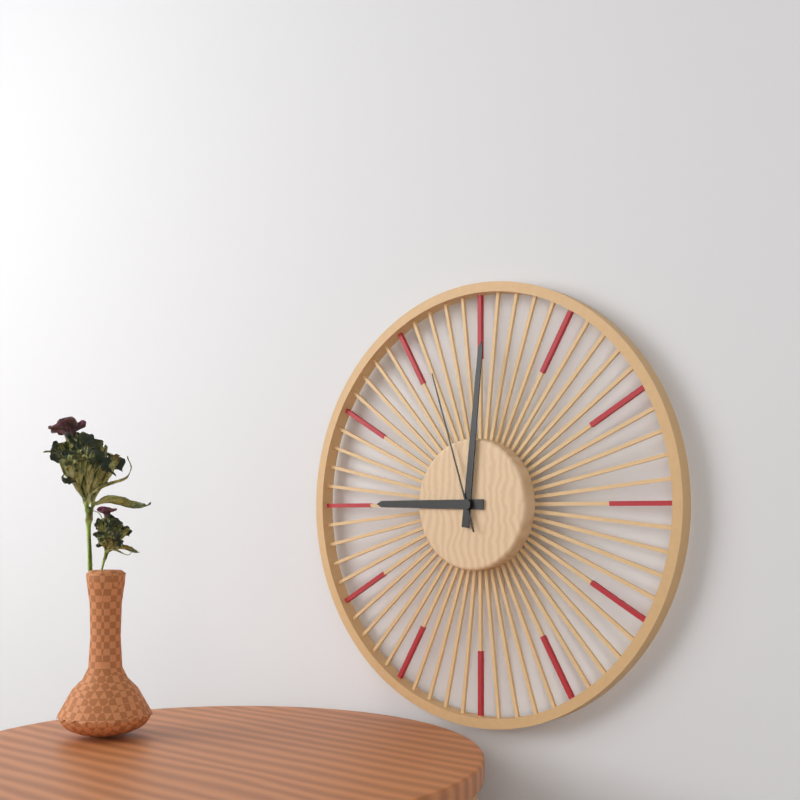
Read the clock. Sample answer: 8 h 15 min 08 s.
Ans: 9 h 01 min 57 s
